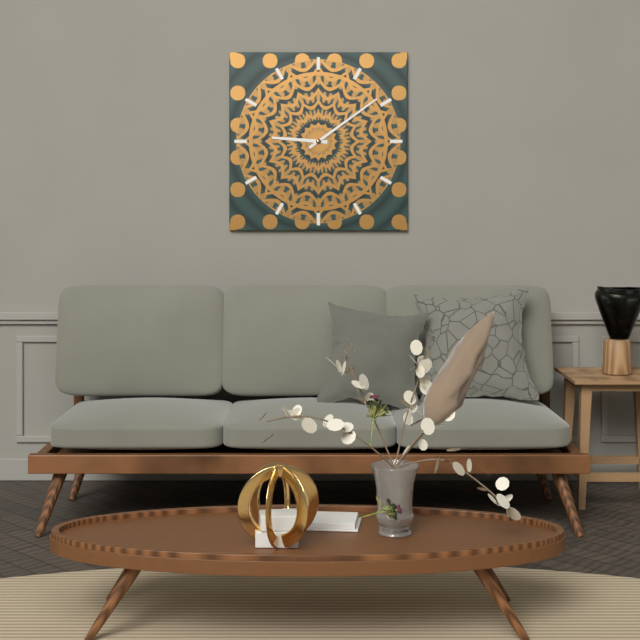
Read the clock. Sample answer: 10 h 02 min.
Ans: 9 h 09 min
